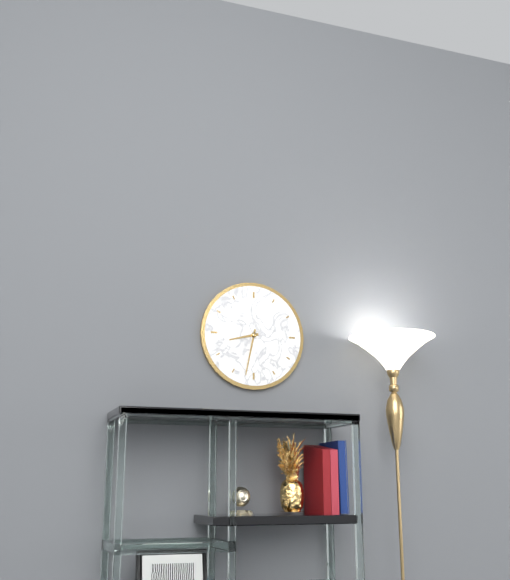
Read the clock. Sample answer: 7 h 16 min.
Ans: 8 h 32 min
